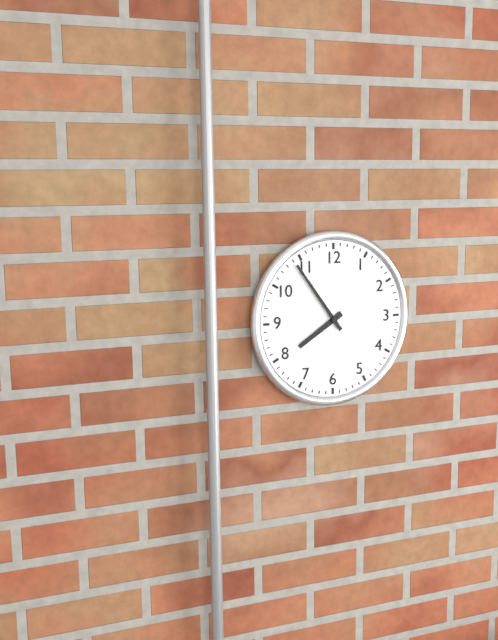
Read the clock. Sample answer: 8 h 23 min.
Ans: 7 h 54 min
